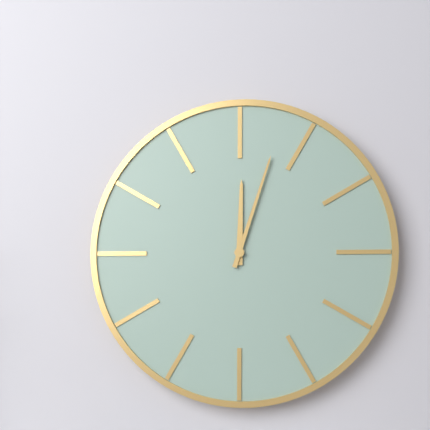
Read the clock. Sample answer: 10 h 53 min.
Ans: 12 h 03 min
